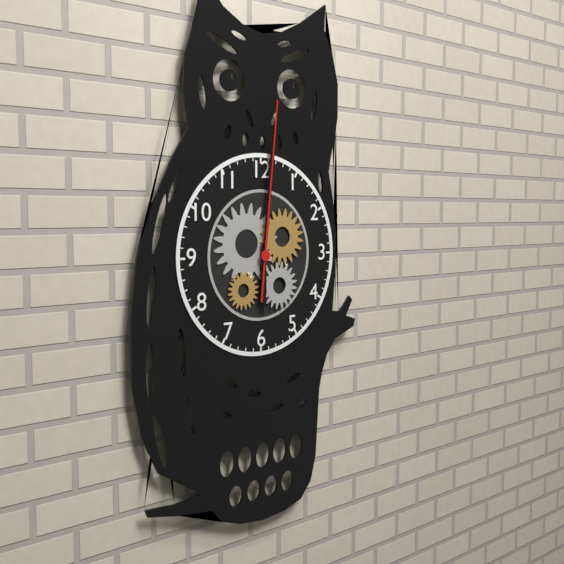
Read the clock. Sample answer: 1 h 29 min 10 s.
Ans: 6 h 01 min 01 s
